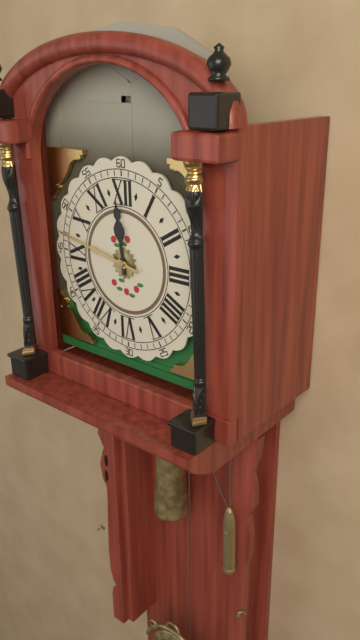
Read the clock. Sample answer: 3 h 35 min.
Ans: 11 h 47 min
